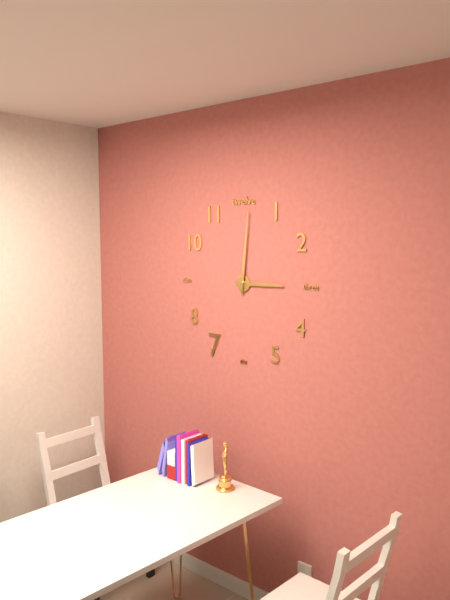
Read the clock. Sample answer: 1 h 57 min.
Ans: 3 h 01 min
